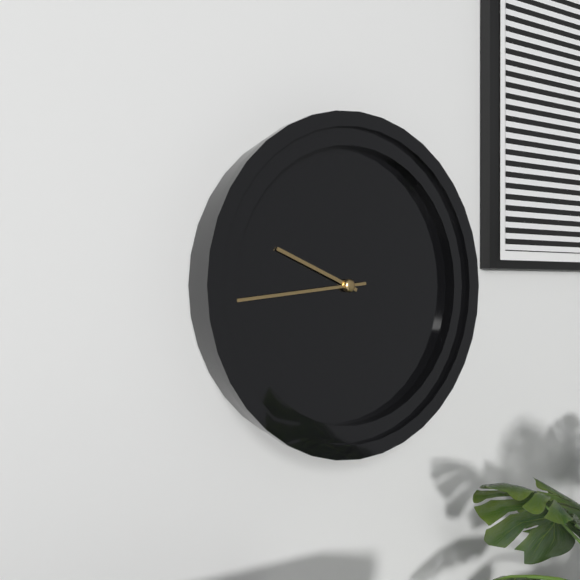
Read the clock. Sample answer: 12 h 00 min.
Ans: 9 h 44 min
